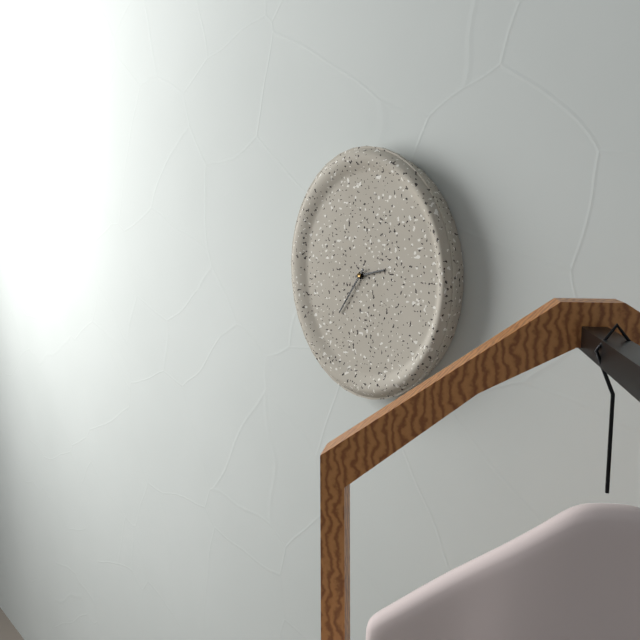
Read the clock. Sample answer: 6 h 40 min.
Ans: 2 h 36 min
